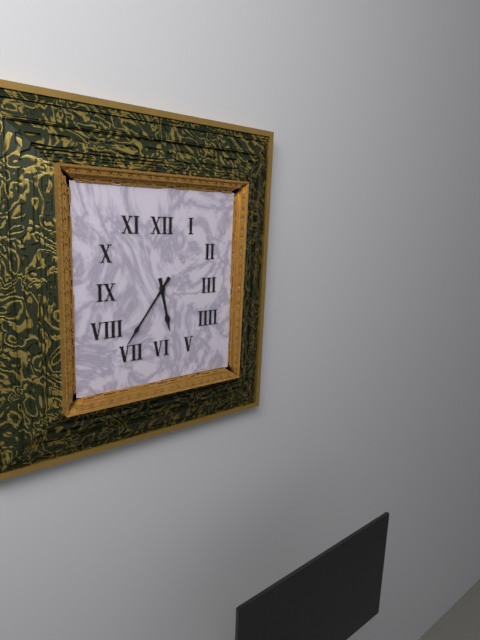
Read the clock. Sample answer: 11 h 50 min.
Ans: 5 h 36 min
